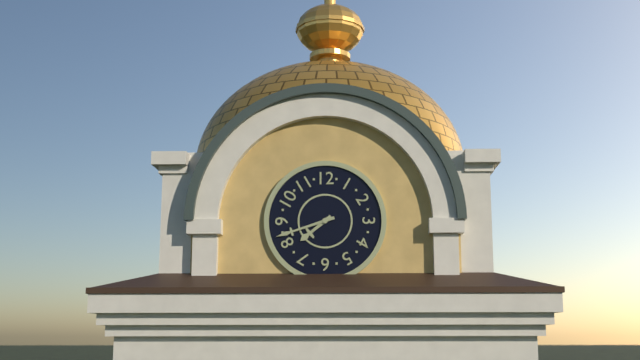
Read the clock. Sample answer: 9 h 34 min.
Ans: 7 h 42 min
